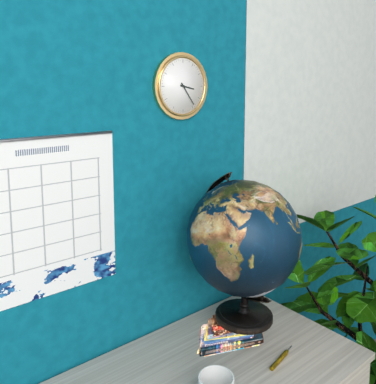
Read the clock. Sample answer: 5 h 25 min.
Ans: 3 h 24 min
